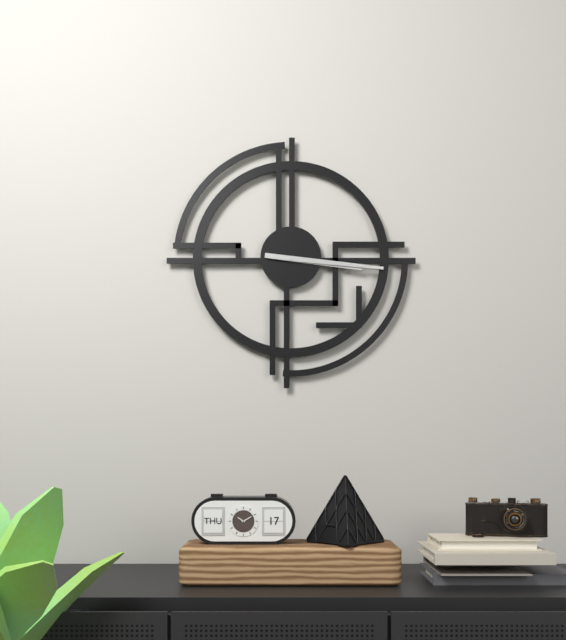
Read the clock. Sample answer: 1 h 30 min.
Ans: 3 h 16 min
